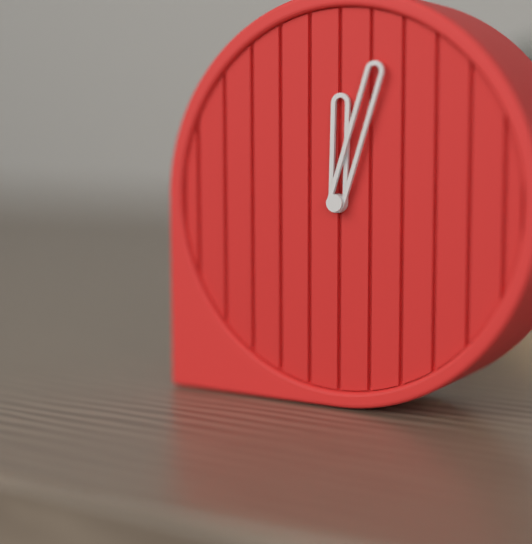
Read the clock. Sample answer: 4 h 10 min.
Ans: 12 h 03 min
